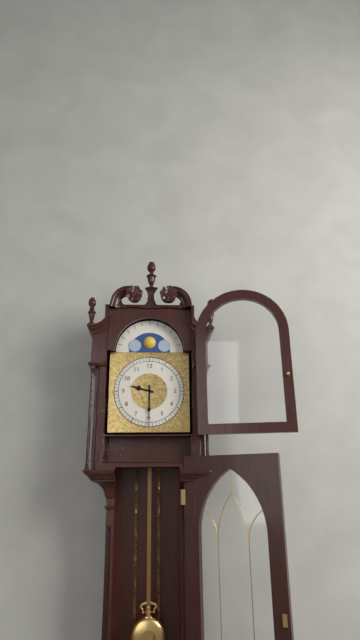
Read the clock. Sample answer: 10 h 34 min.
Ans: 9 h 30 min
